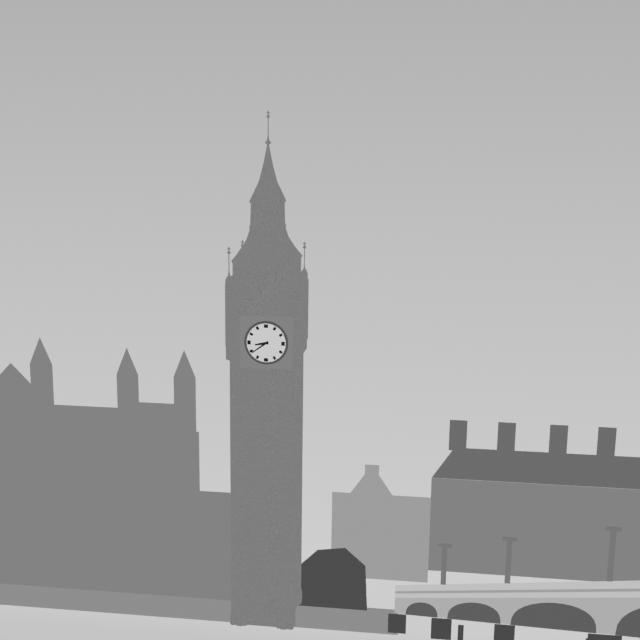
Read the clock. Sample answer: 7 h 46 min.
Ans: 8 h 39 min
